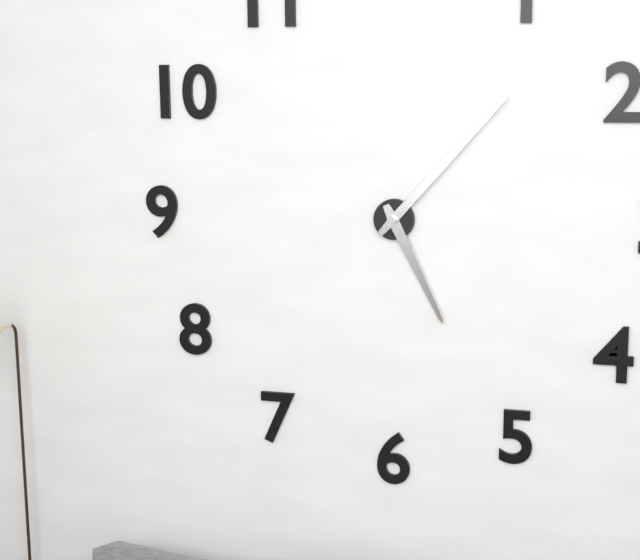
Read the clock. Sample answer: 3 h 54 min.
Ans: 5 h 07 min
